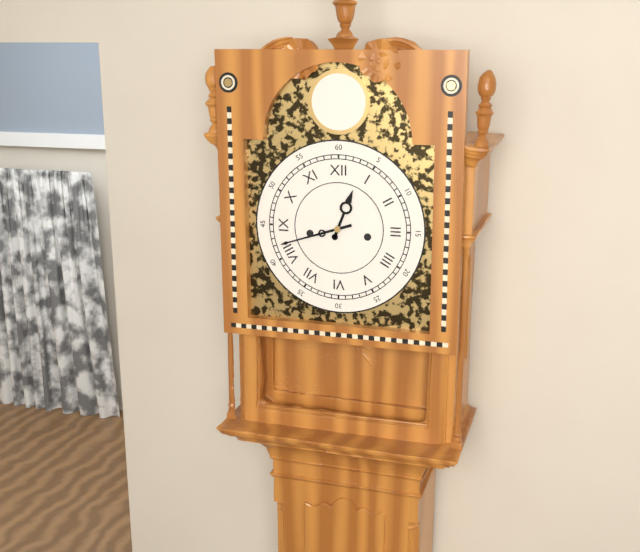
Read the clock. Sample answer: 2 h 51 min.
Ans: 12 h 42 min
